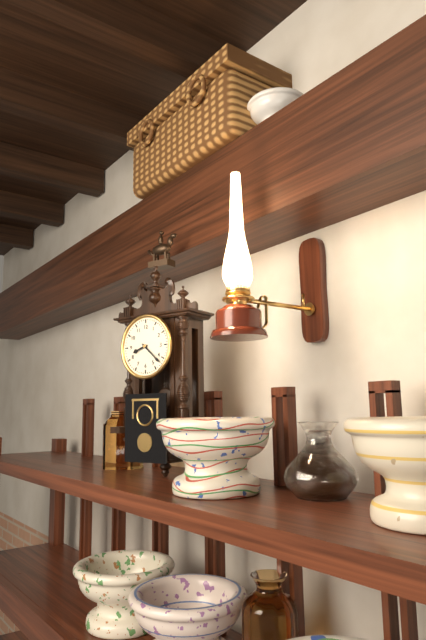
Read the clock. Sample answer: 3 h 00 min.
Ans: 8 h 22 min
